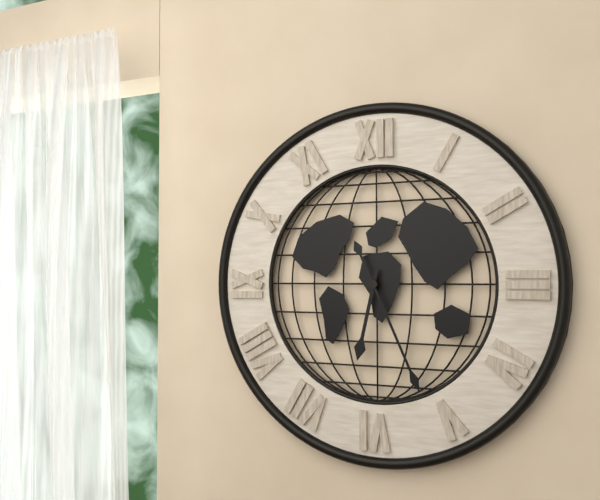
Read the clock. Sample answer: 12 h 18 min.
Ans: 6 h 26 min
